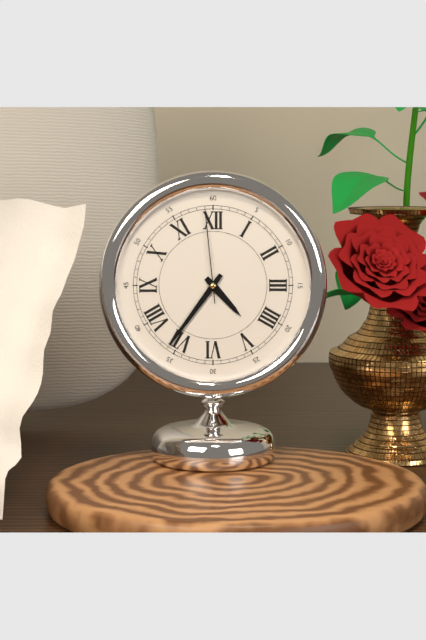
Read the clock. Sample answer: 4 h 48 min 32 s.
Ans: 4 h 36 min 59 s
